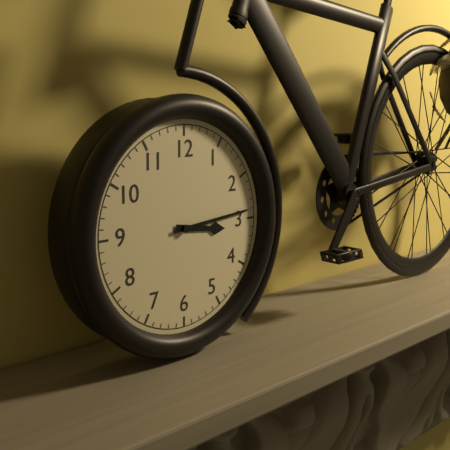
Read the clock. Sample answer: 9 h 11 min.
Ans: 3 h 14 min
